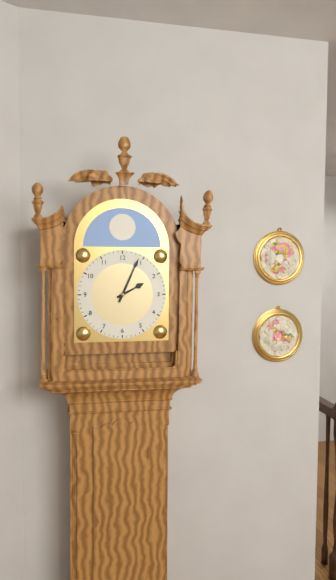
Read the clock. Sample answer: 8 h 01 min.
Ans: 2 h 04 min
